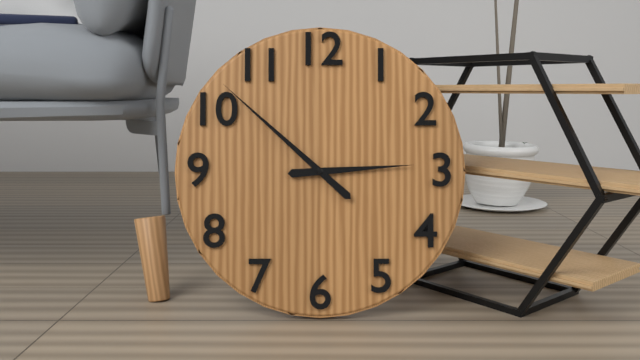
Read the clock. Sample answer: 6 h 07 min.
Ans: 2 h 52 min
